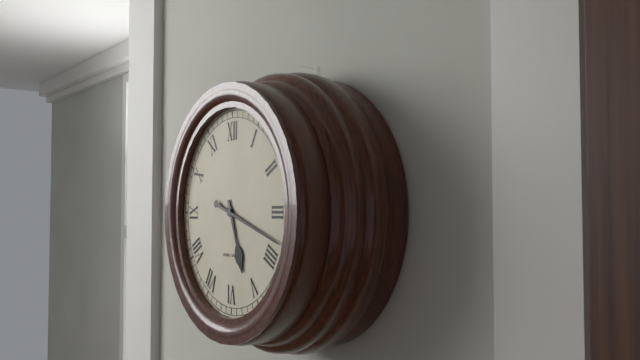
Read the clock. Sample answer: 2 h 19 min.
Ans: 5 h 18 min
